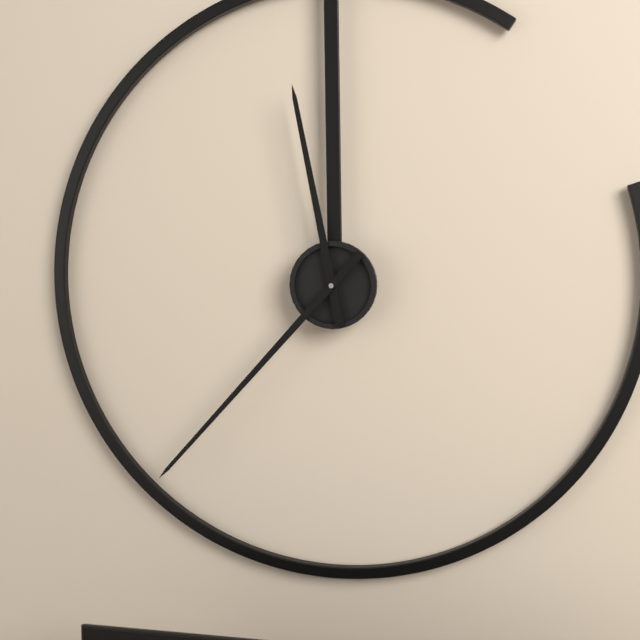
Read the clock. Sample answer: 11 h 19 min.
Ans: 11 h 37 min
